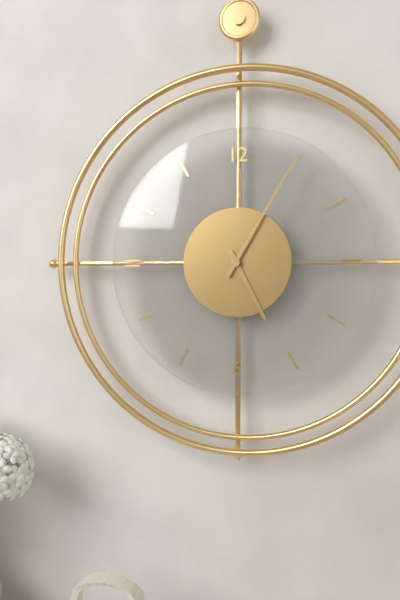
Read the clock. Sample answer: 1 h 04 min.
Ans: 5 h 05 min
